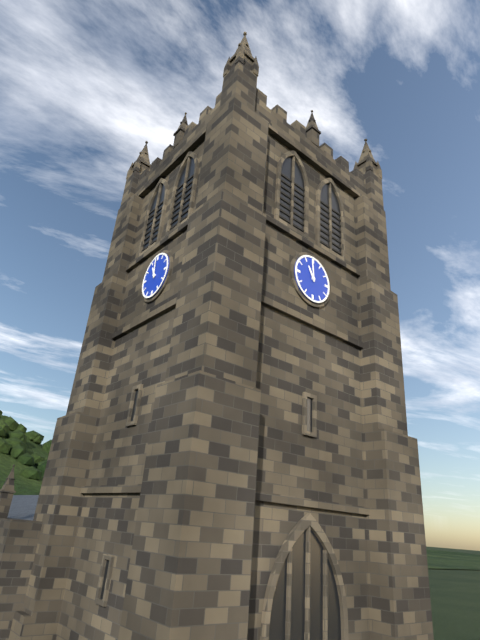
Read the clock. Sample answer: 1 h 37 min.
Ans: 10 h 59 min
